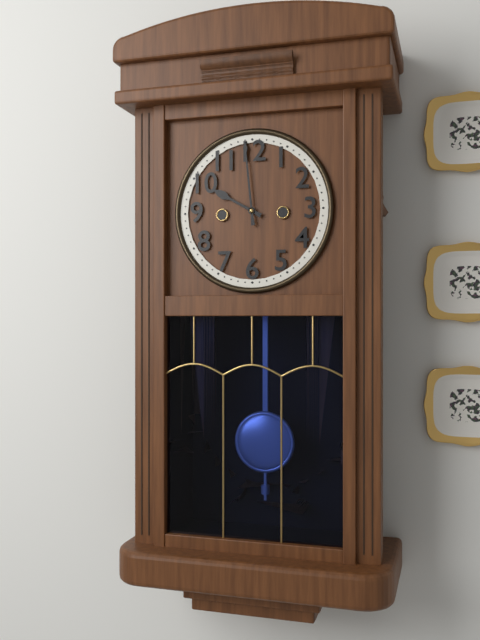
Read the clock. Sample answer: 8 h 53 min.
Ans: 9 h 59 min
